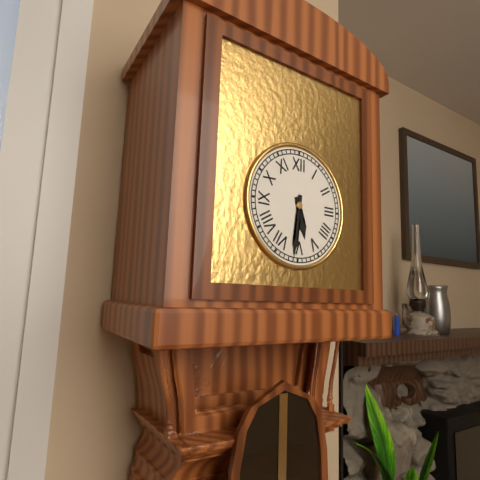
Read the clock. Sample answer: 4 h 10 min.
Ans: 5 h 31 min
